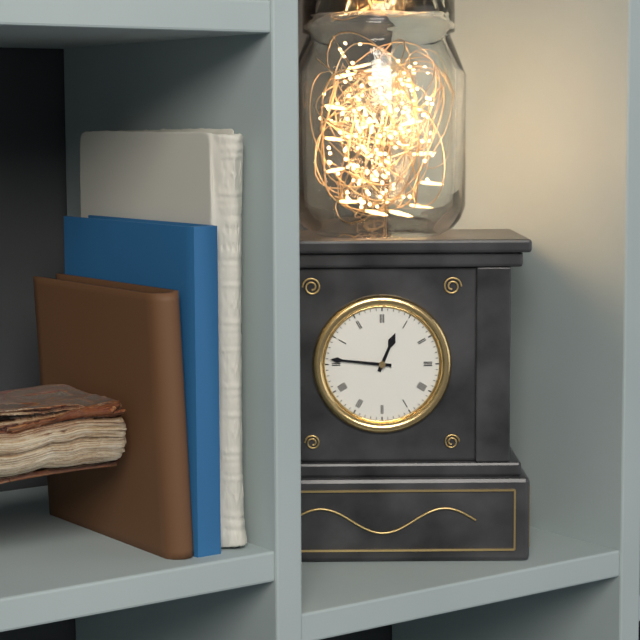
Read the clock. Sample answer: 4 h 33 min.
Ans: 12 h 46 min
